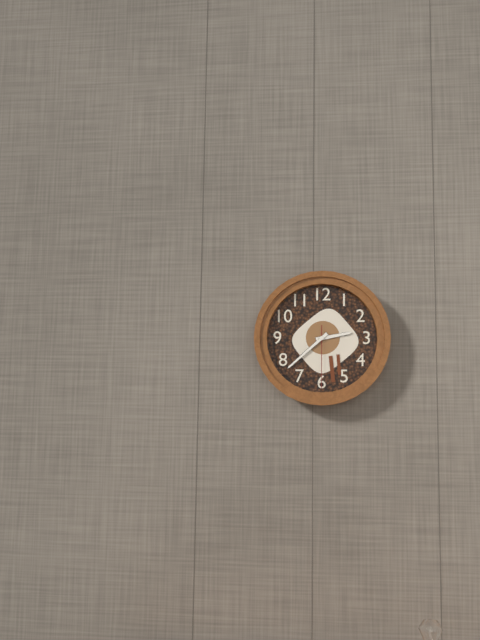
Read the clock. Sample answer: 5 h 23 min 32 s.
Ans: 2 h 38 min 30 s
